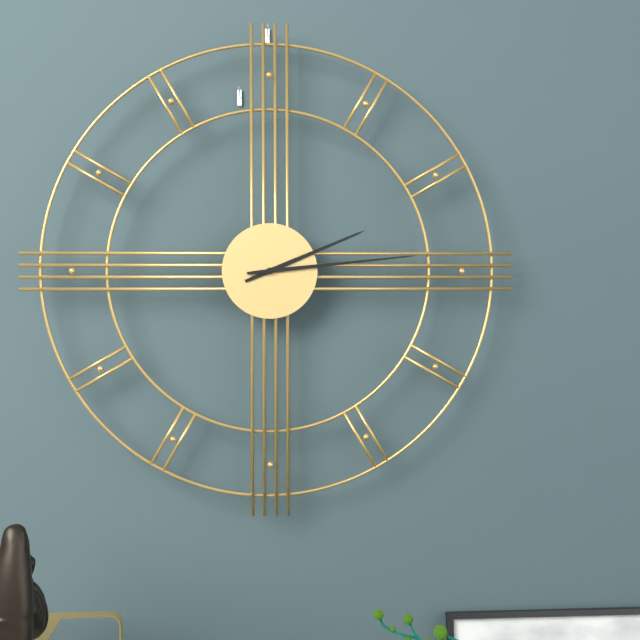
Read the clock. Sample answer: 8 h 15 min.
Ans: 2 h 14 min
